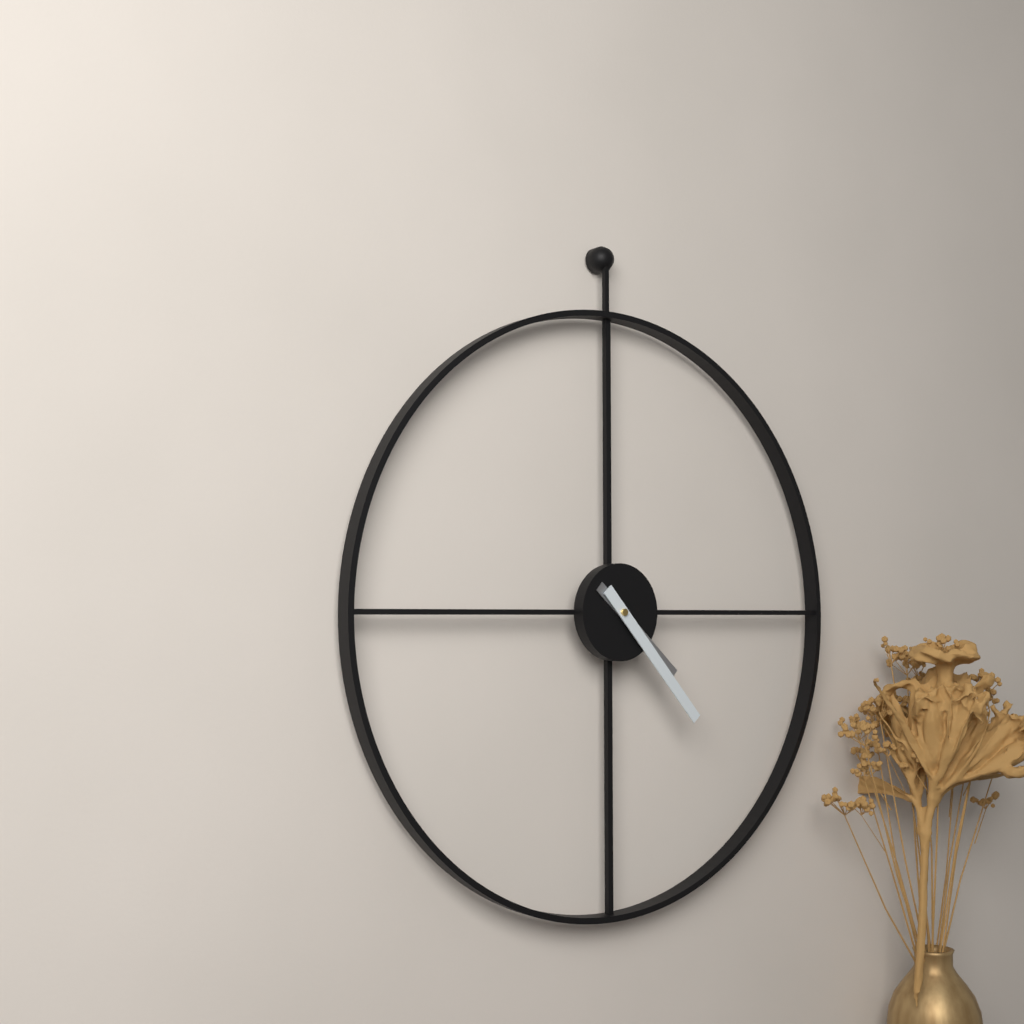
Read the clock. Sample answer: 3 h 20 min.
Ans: 4 h 23 min
